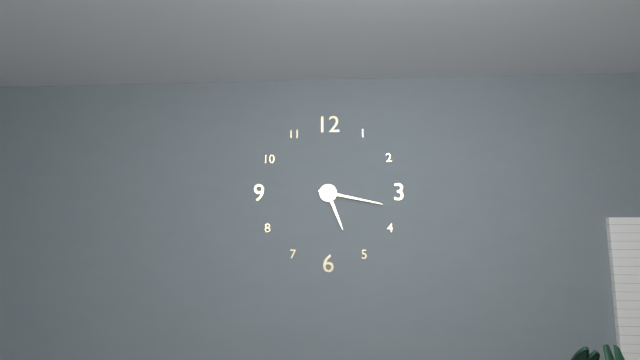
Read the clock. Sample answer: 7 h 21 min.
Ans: 5 h 17 min
